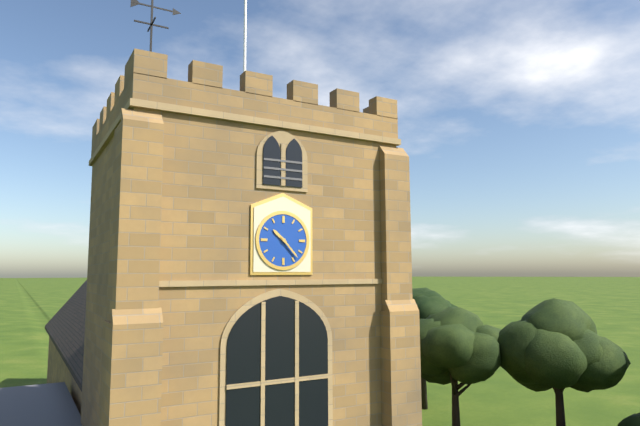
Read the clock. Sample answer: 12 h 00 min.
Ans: 10 h 23 min
